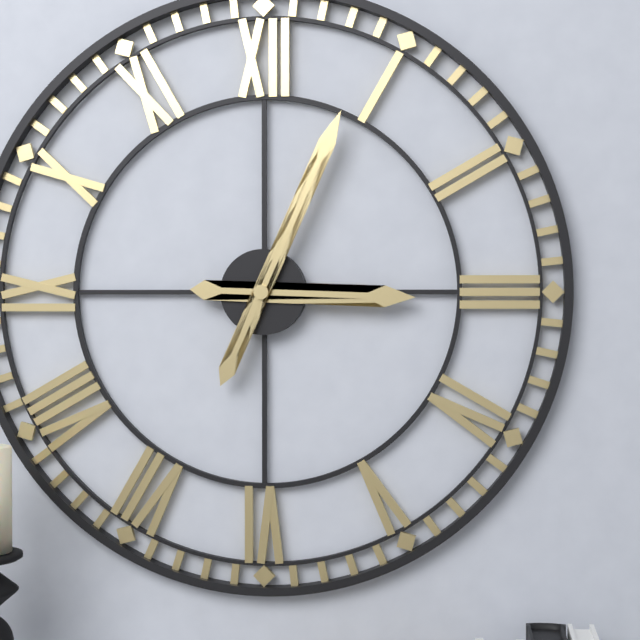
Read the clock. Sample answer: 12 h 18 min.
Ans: 3 h 04 min
